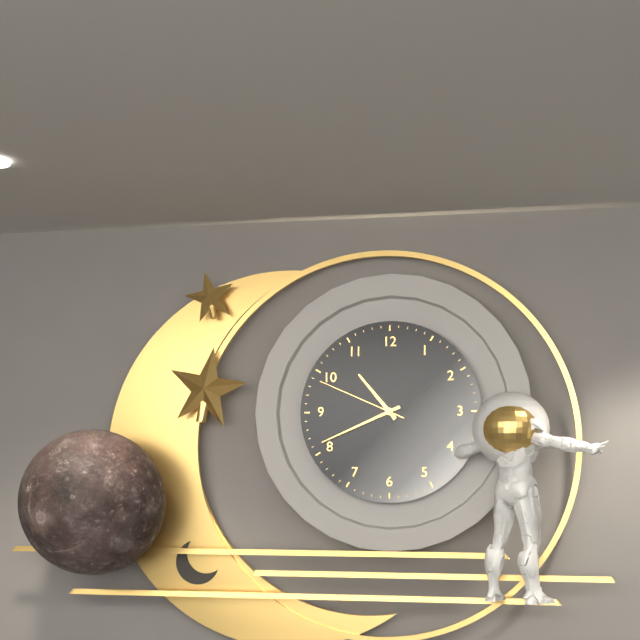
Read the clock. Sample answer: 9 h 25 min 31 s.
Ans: 10 h 41 min 49 s
